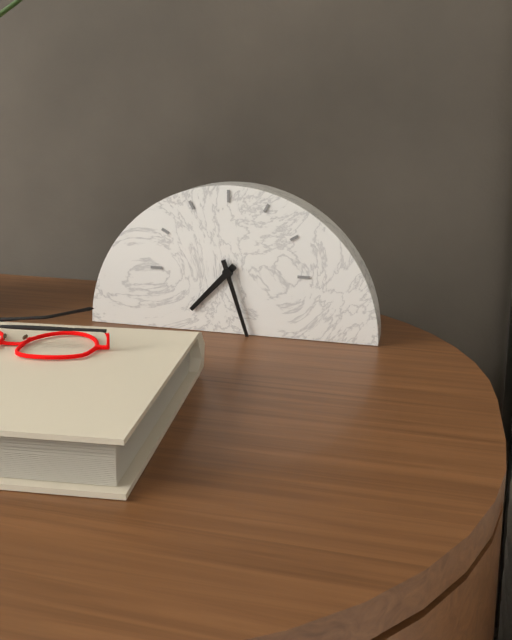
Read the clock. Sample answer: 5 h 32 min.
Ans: 7 h 27 min
